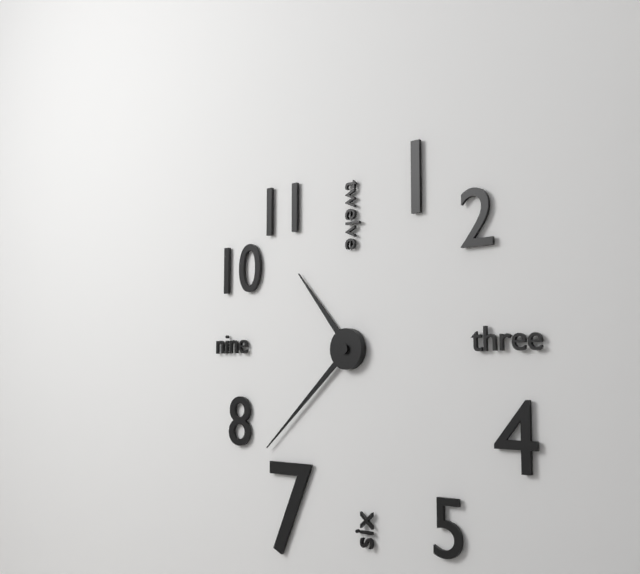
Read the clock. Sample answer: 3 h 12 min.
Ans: 10 h 38 min
